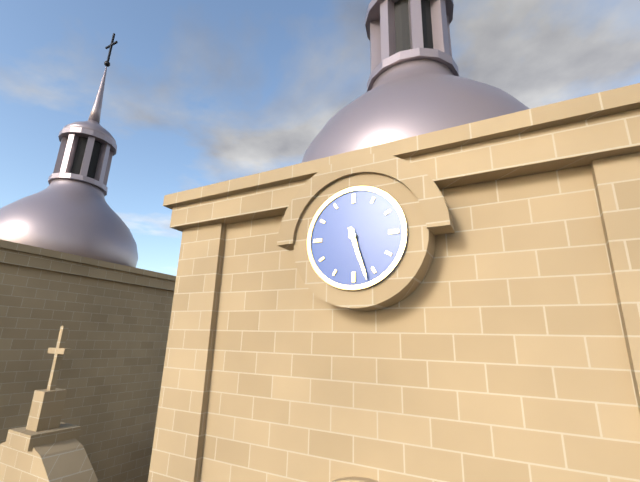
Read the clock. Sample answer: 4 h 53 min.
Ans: 5 h 27 min
